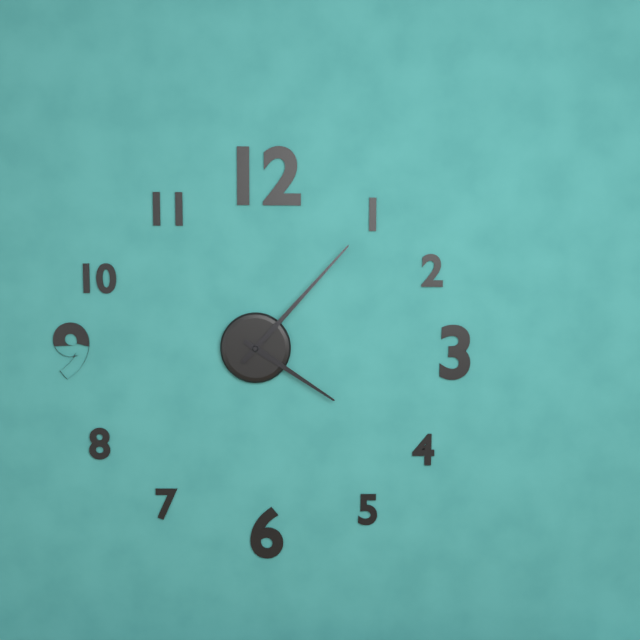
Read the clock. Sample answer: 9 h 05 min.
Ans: 4 h 07 min
